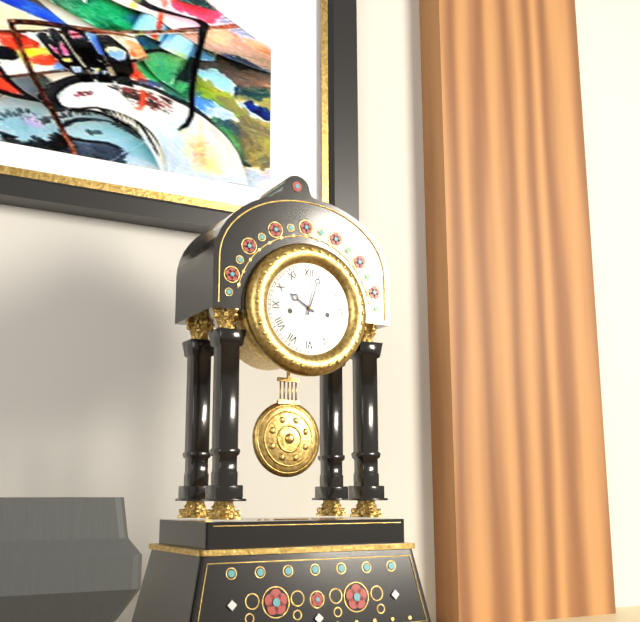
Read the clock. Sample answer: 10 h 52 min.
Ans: 10 h 03 min
